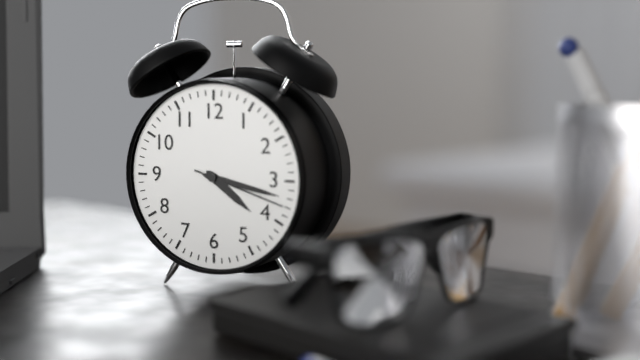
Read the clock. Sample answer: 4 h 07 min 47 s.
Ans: 4 h 17 min 18 s
